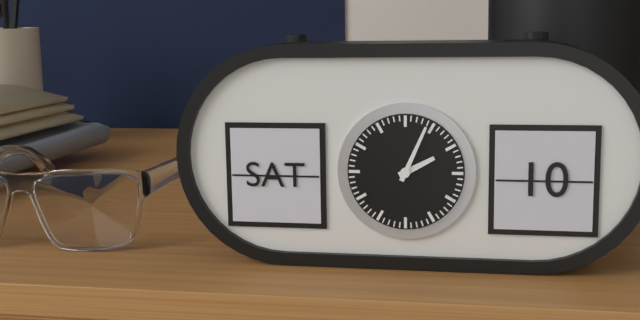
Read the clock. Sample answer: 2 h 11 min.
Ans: 2 h 04 min
